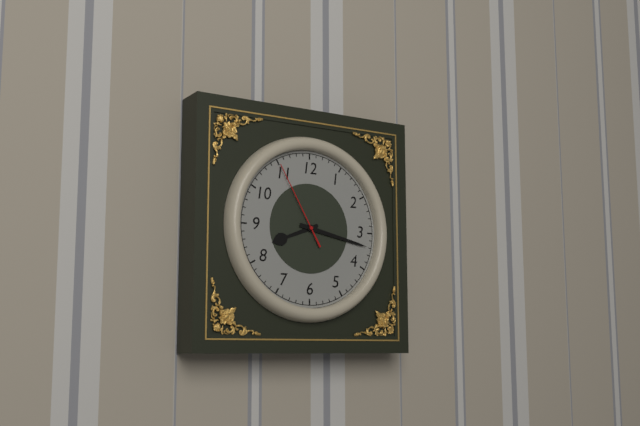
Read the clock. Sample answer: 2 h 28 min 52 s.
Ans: 8 h 17 min 55 s
